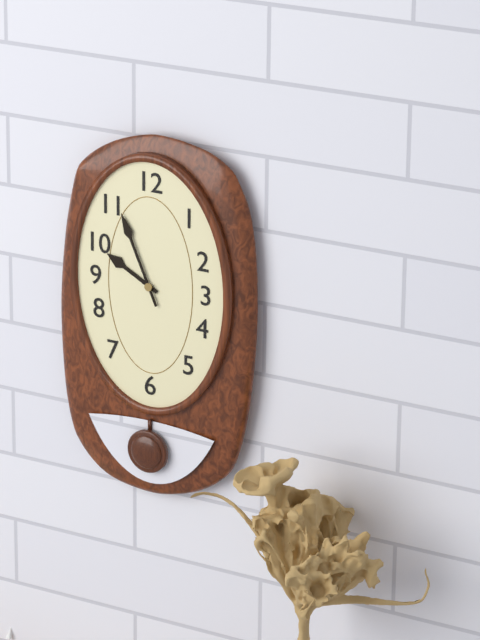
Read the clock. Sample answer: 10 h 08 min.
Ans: 9 h 56 min
